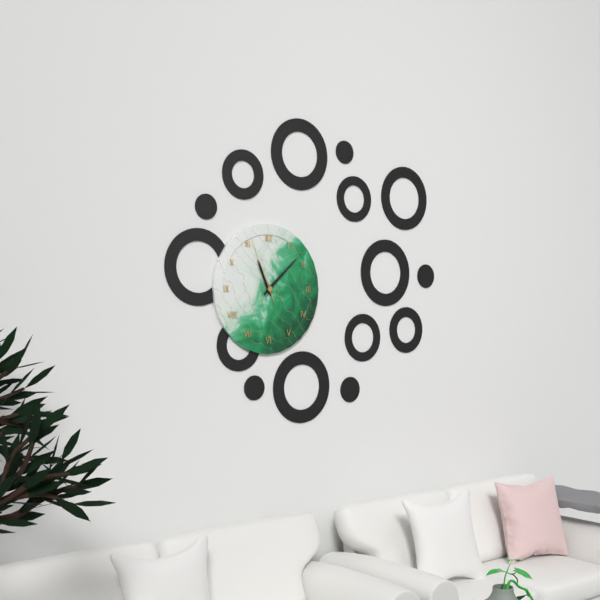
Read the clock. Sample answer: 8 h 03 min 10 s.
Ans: 11 h 08 min 56 s
